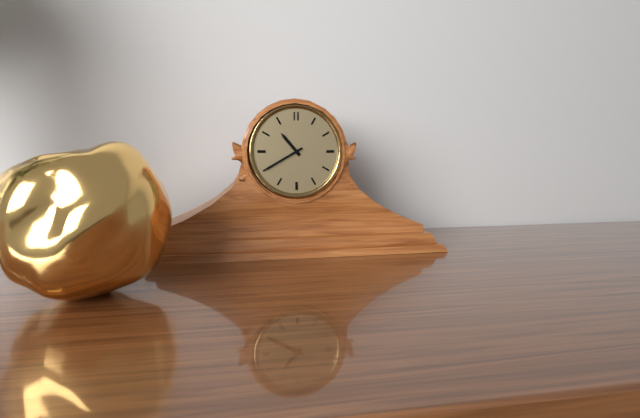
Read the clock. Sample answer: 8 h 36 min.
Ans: 10 h 40 min
